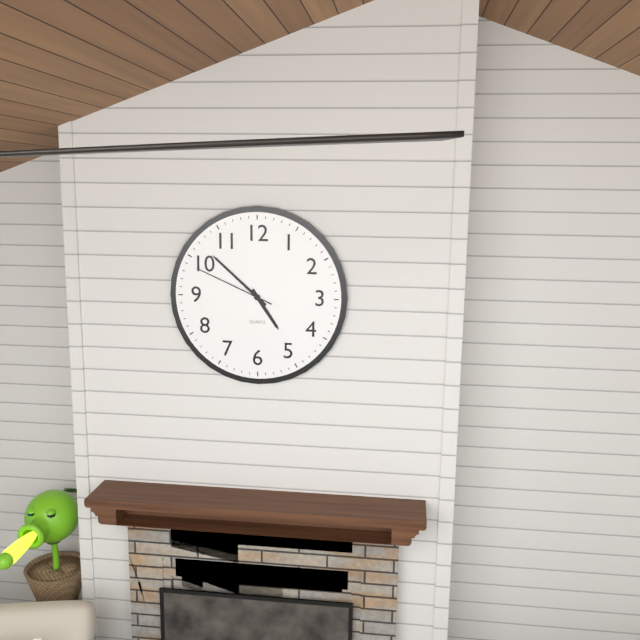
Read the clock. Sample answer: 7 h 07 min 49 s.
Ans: 4 h 52 min 49 s
